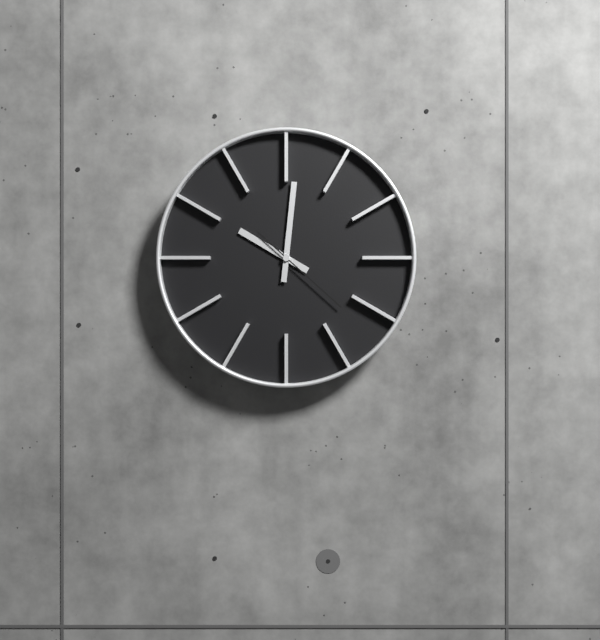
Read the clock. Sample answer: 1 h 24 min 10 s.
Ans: 10 h 01 min 22 s
